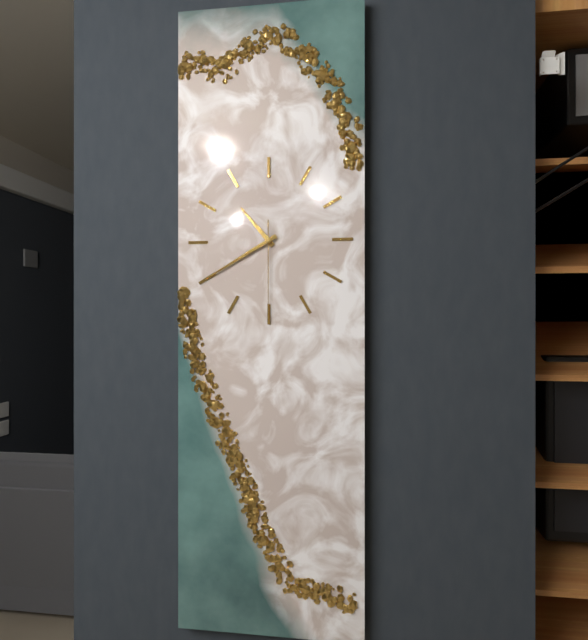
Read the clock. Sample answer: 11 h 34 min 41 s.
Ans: 10 h 40 min 30 s
